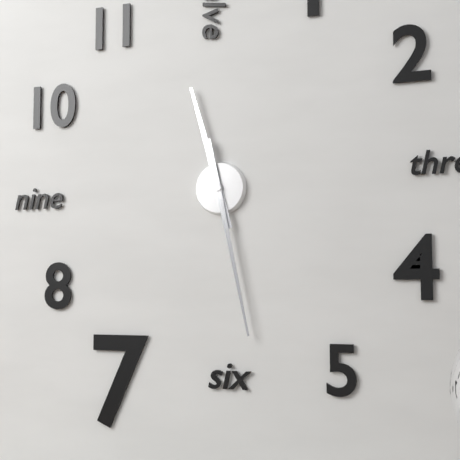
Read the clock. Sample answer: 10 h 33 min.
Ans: 11 h 28 min
